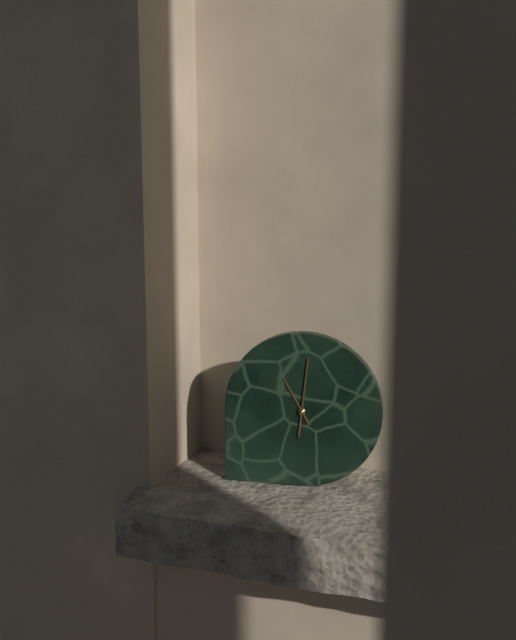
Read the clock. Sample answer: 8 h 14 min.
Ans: 11 h 01 min
